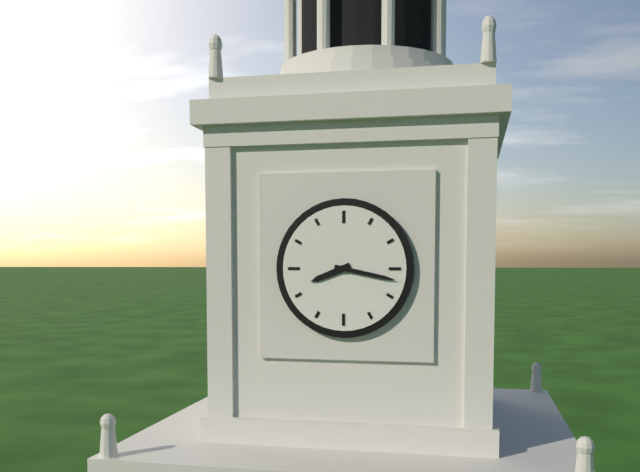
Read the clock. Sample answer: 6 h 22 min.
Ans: 8 h 17 min
